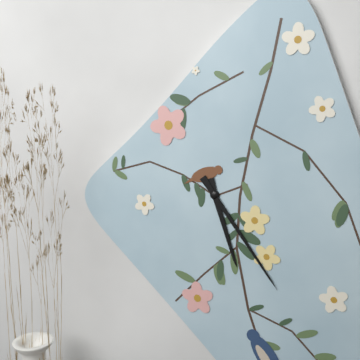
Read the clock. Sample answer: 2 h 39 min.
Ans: 5 h 24 min
